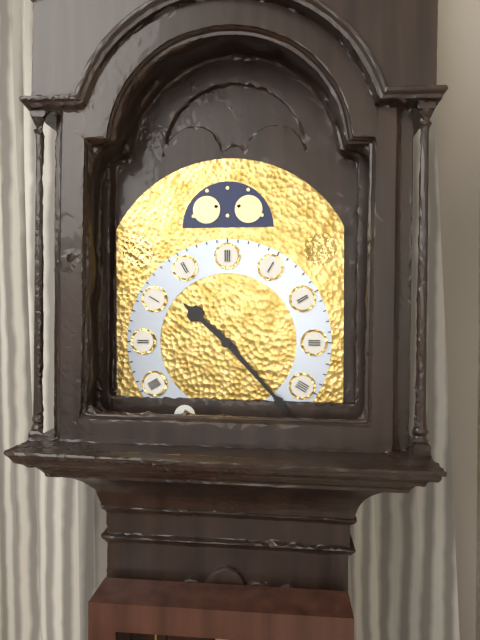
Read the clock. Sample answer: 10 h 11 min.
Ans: 10 h 23 min
